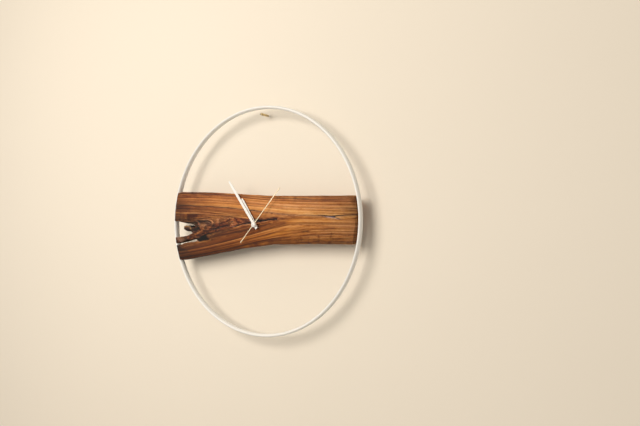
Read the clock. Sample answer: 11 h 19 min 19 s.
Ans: 10 h 54 min 07 s
